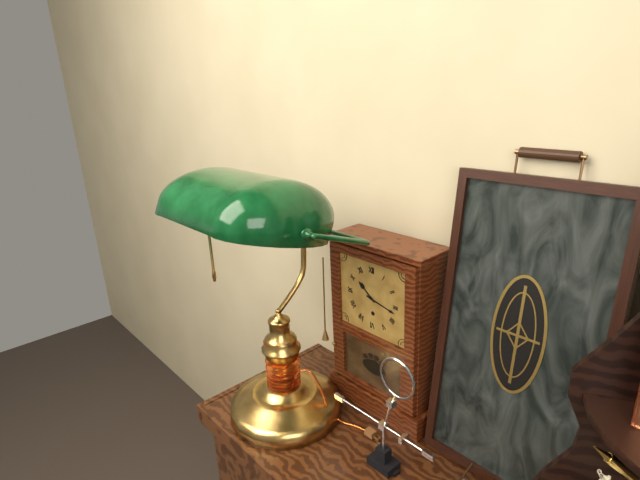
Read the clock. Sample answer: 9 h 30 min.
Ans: 10 h 17 min
